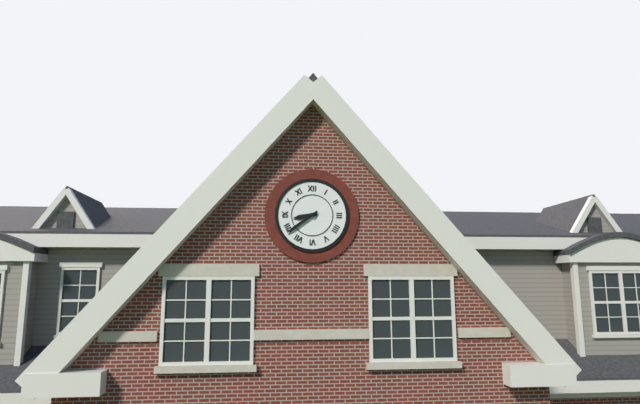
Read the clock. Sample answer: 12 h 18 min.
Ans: 8 h 39 min
